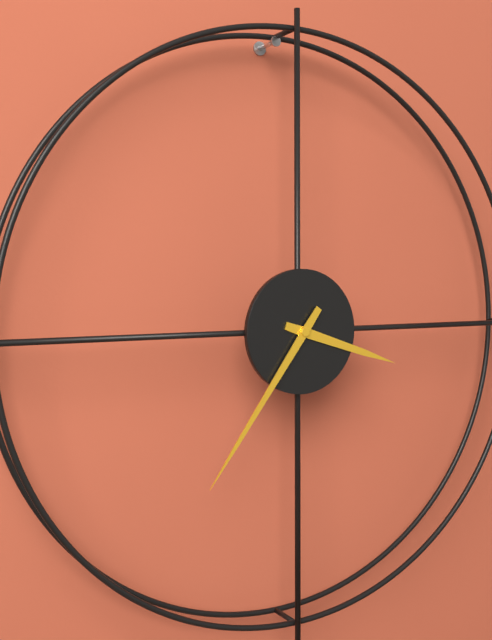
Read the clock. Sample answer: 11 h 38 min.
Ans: 3 h 36 min
